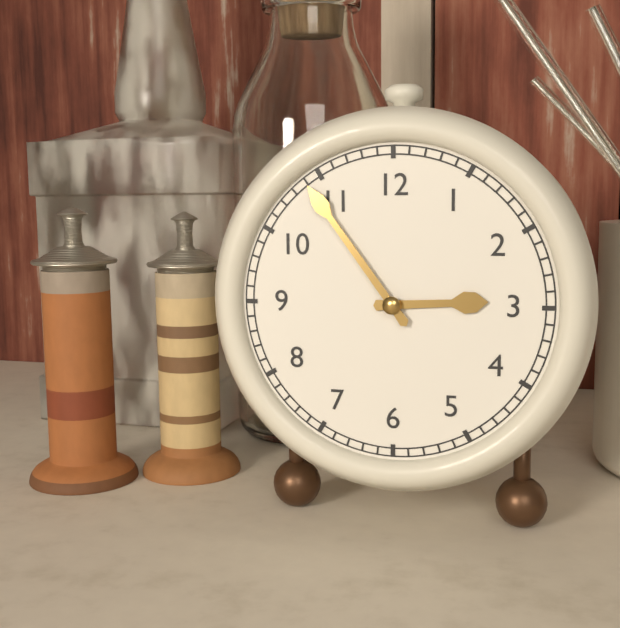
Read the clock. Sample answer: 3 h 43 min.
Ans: 2 h 54 min
